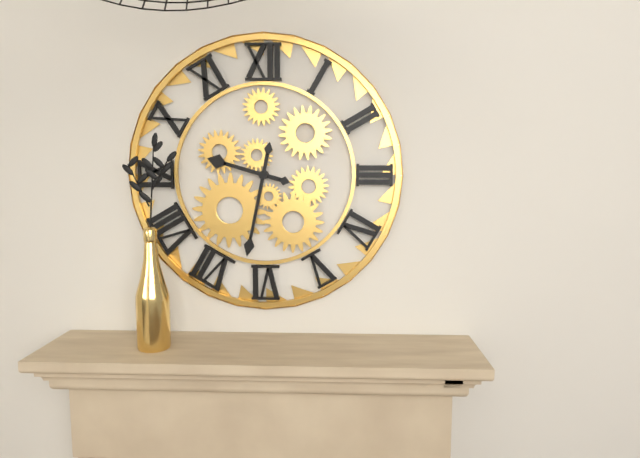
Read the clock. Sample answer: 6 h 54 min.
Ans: 9 h 32 min
